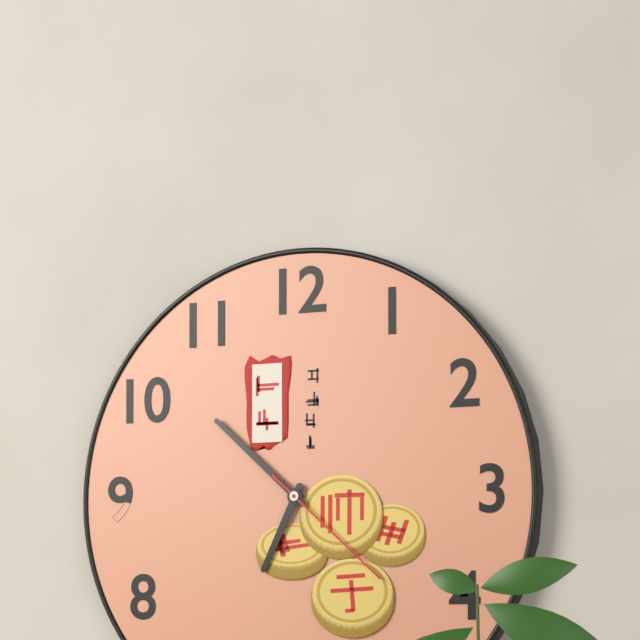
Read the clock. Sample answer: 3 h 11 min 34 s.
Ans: 6 h 52 min 22 s
